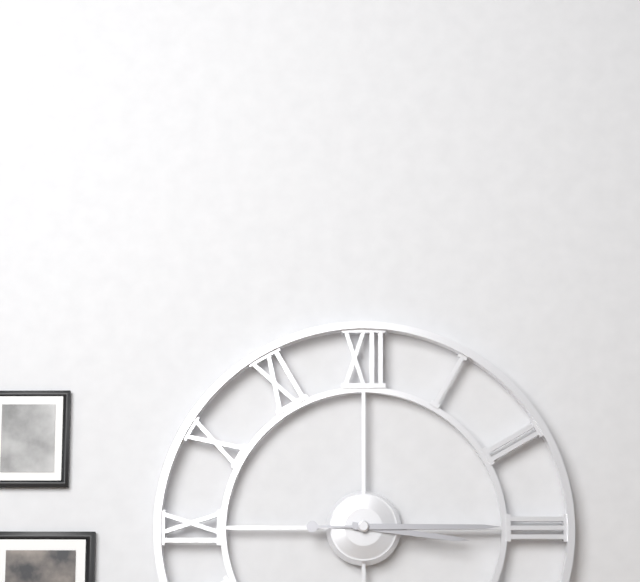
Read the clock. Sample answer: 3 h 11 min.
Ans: 3 h 15 min
